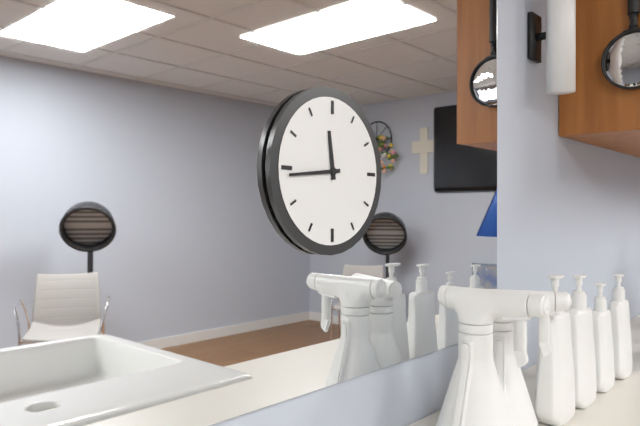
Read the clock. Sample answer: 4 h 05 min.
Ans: 11 h 44 min
